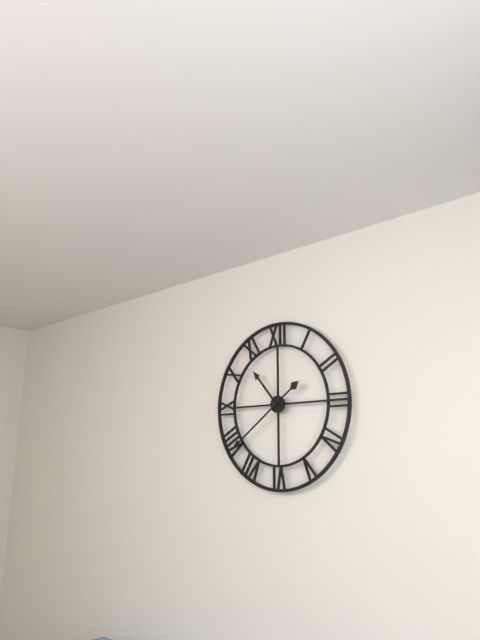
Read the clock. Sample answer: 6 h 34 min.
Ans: 10 h 39 min
